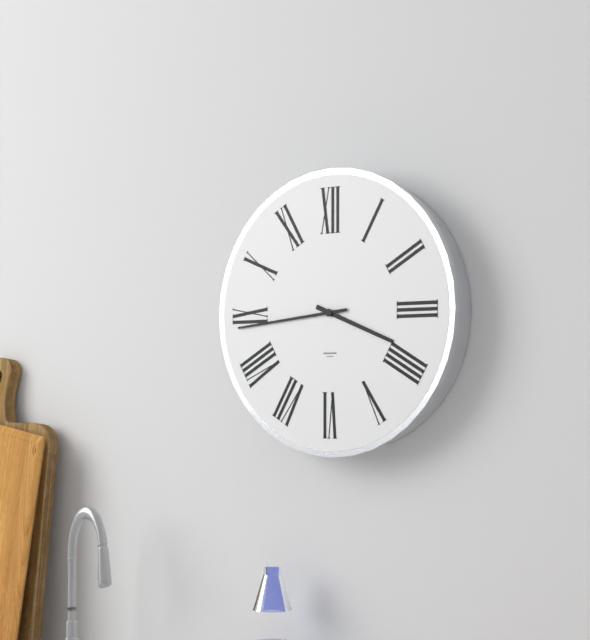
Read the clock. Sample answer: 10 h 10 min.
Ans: 3 h 44 min
